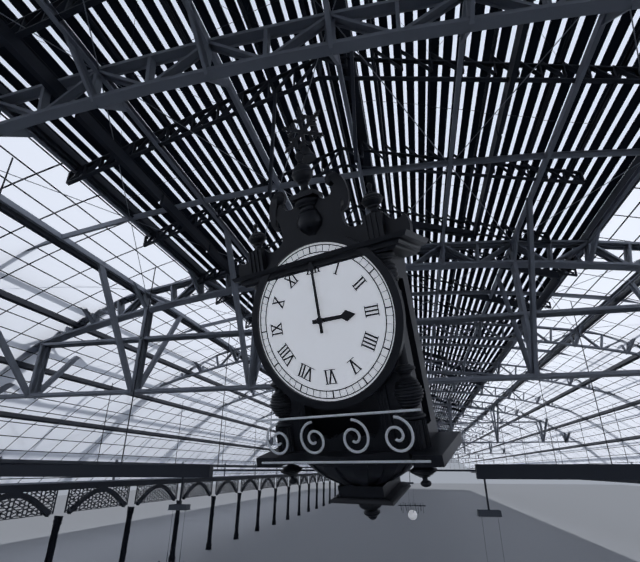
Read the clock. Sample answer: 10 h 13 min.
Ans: 3 h 00 min
